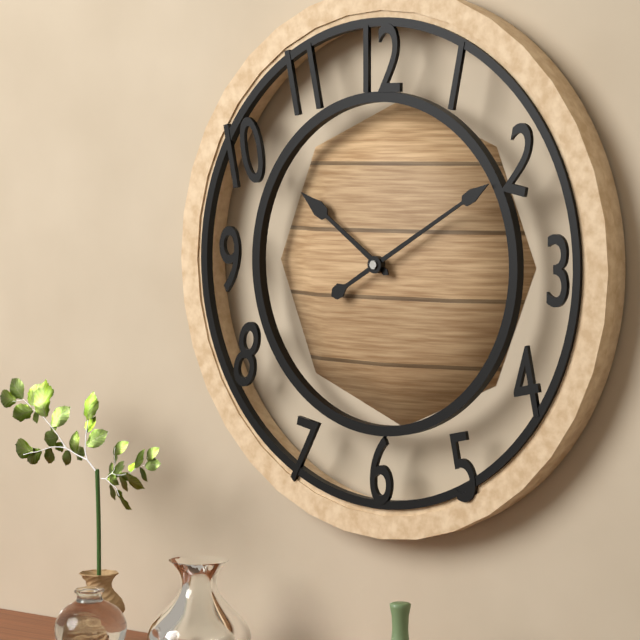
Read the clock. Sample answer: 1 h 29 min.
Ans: 10 h 10 min
